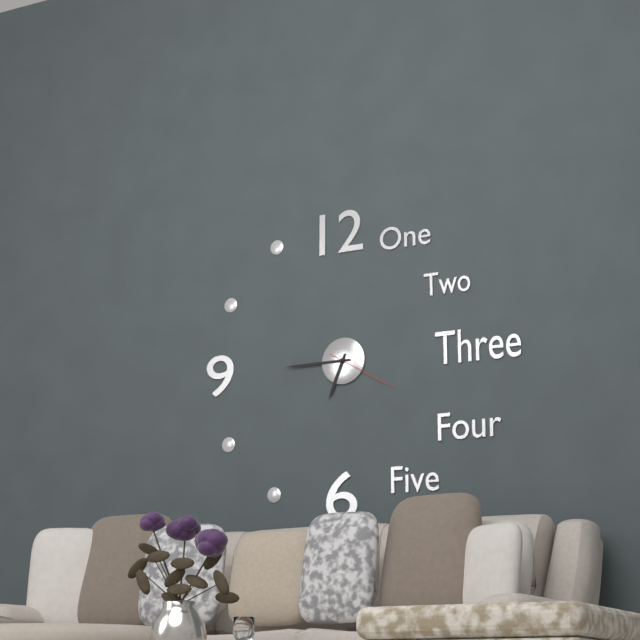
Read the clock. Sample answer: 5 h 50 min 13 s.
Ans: 6 h 45 min 20 s
